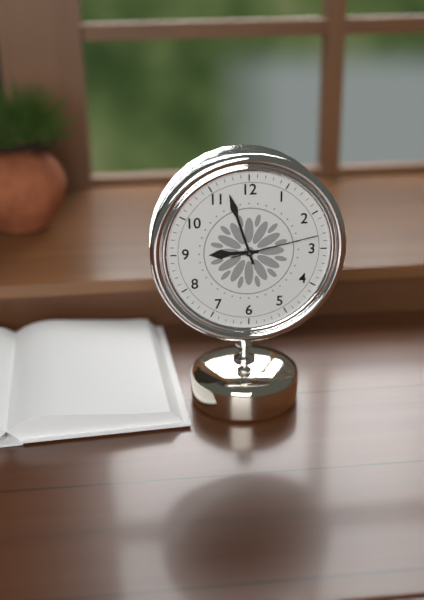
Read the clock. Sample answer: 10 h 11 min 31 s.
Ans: 8 h 57 min 13 s
